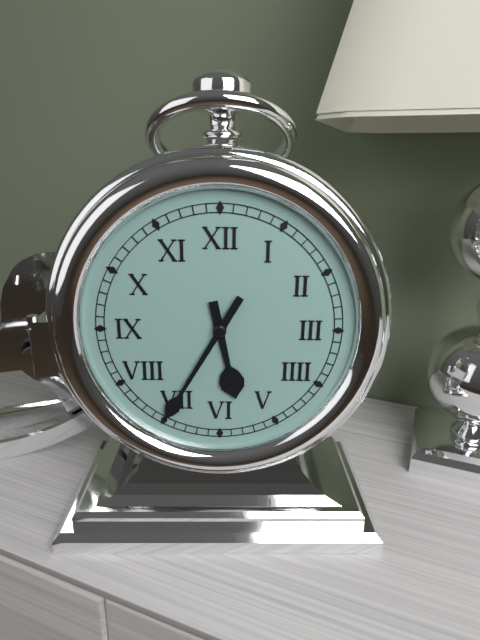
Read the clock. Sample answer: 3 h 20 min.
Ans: 5 h 35 min
